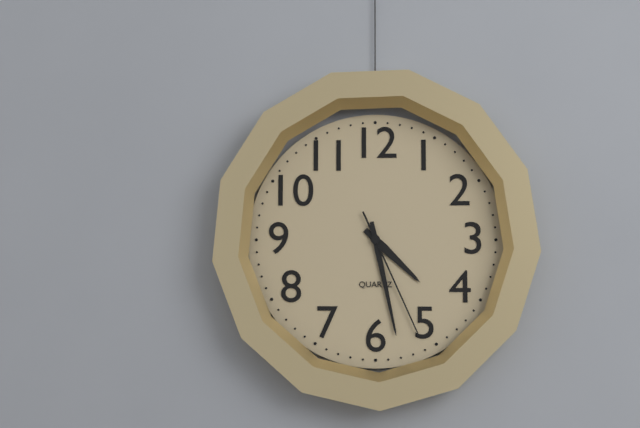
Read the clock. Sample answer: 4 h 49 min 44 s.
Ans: 4 h 28 min 26 s
